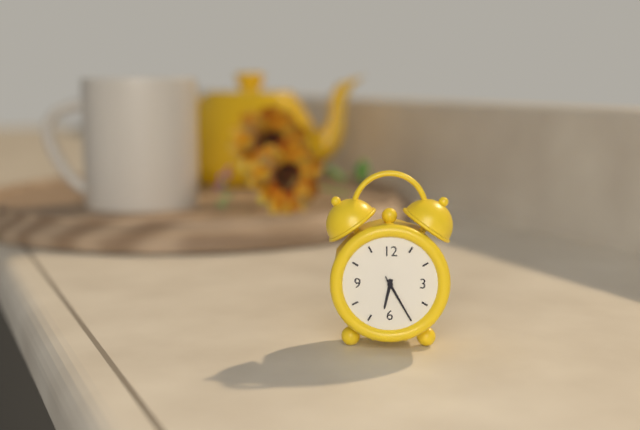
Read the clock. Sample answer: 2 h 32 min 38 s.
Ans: 6 h 25 min 25 s
